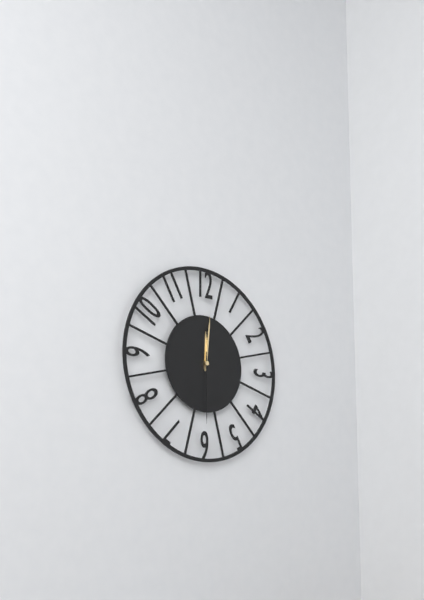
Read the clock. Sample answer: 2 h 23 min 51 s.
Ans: 12 h 01 min 30 s
